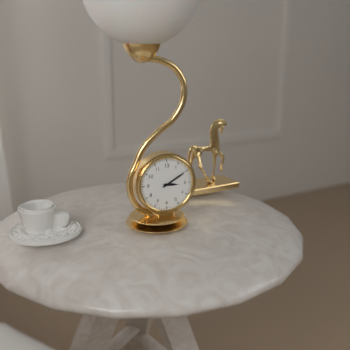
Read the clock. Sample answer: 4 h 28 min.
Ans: 3 h 10 min
